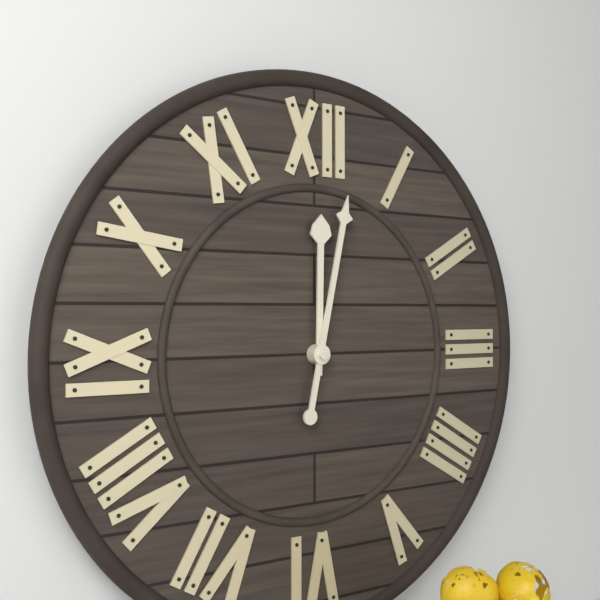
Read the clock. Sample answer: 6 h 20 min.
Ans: 12 h 02 min
